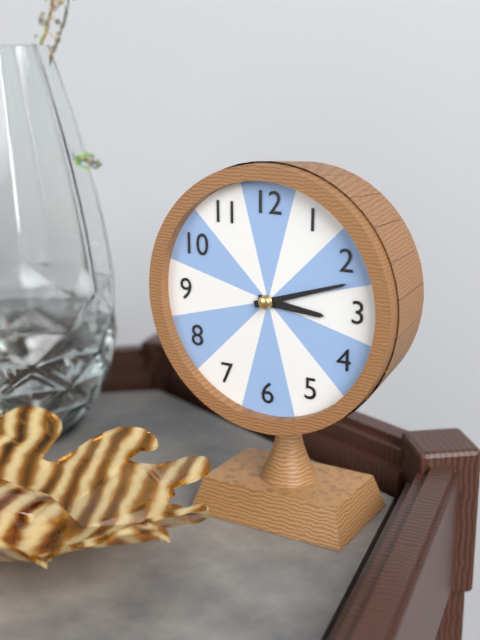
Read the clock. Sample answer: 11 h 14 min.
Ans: 3 h 12 min
